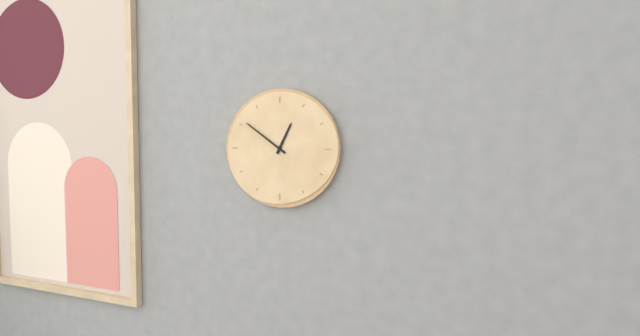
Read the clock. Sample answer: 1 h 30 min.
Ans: 12 h 51 min
